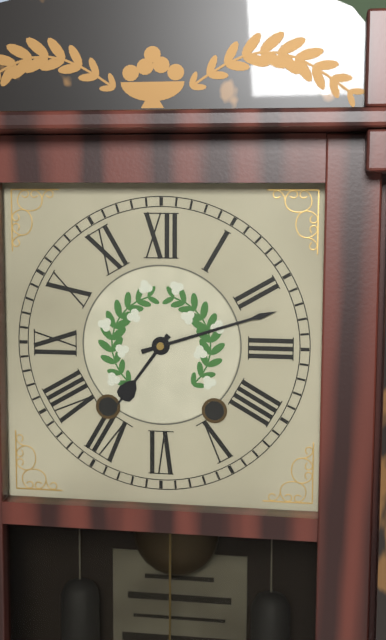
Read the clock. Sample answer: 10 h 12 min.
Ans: 7 h 12 min
